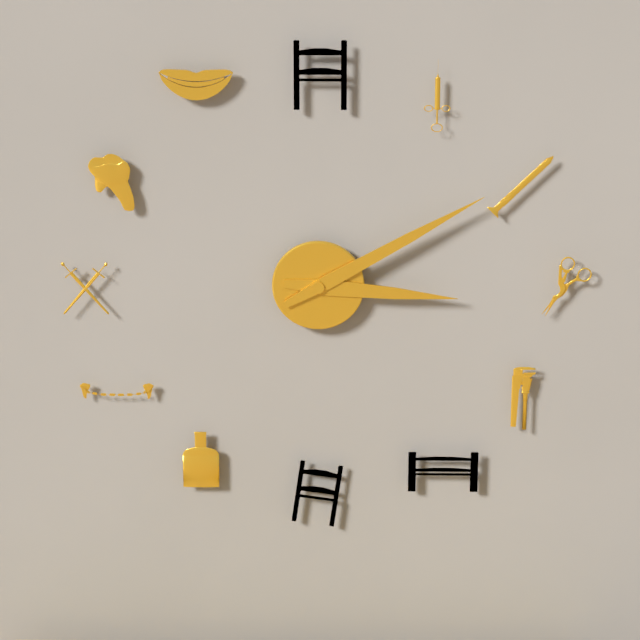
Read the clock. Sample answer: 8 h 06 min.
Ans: 3 h 10 min
